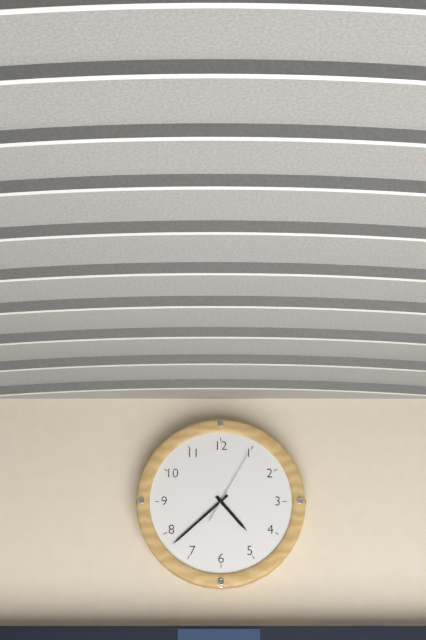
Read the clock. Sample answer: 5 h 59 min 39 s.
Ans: 4 h 38 min 05 s
